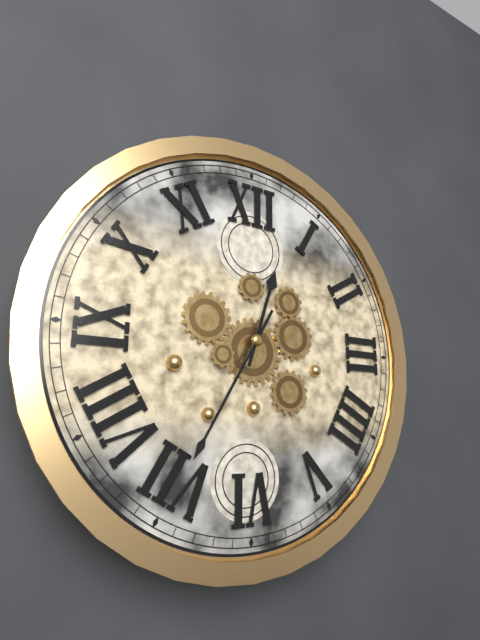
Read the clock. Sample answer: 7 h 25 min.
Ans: 12 h 35 min
